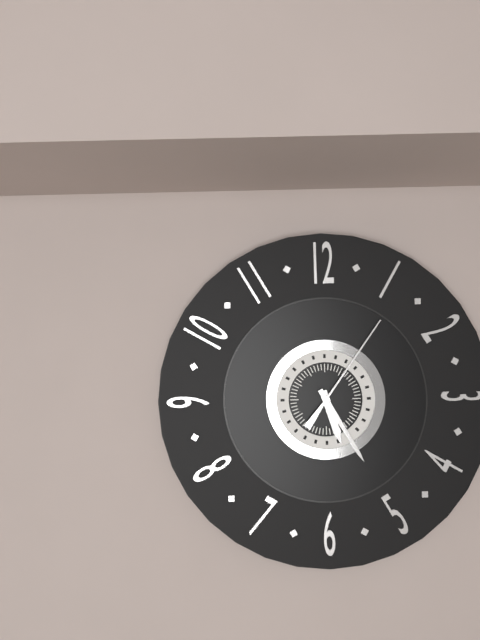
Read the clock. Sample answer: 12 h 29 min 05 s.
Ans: 5 h 25 min 06 s
